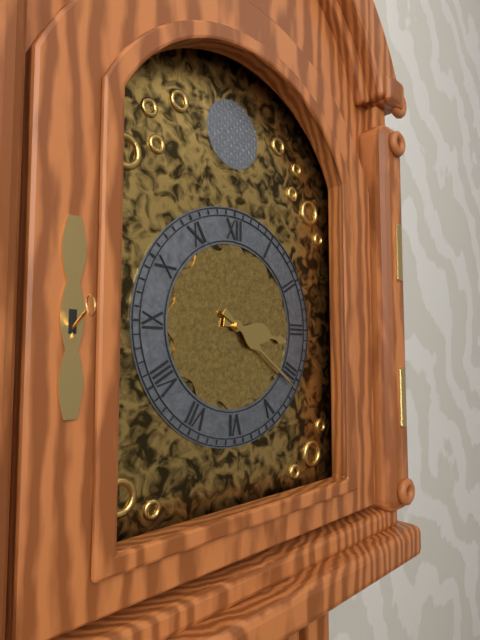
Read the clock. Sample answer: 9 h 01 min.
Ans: 3 h 21 min
